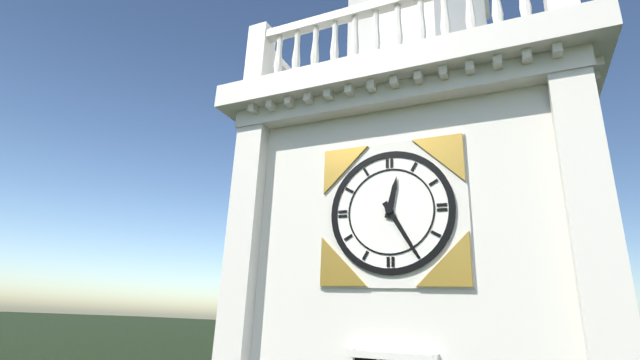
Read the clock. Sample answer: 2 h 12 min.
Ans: 12 h 25 min
